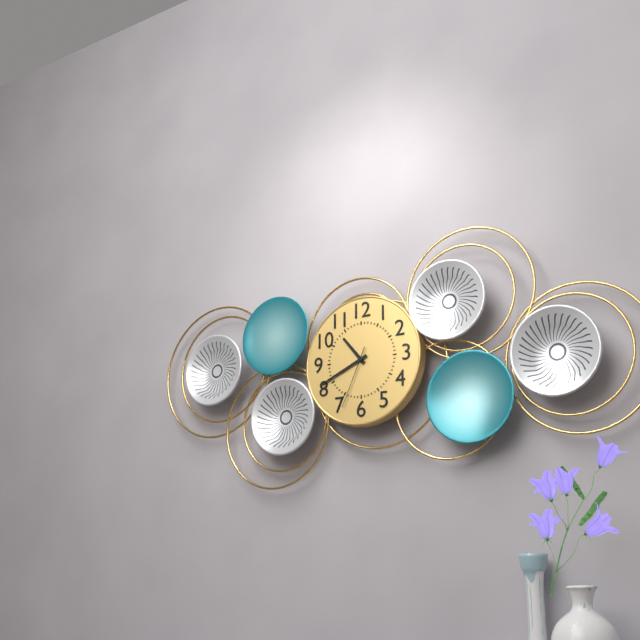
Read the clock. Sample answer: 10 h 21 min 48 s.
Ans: 10 h 41 min 34 s
